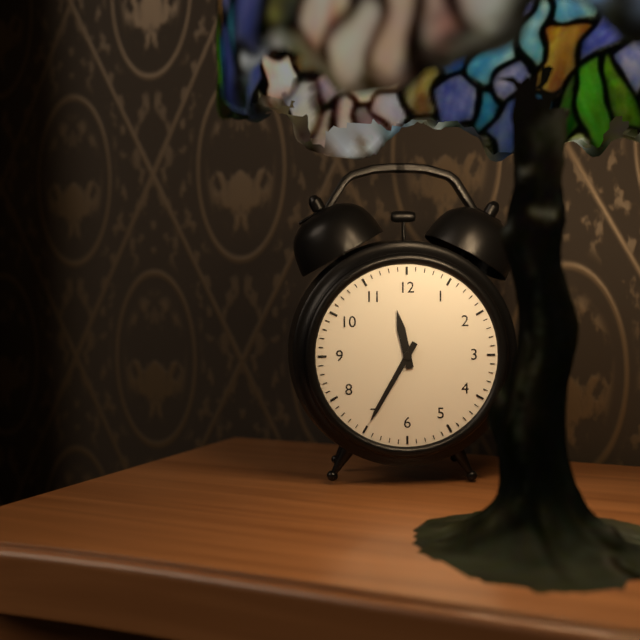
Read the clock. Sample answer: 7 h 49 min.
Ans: 11 h 35 min
